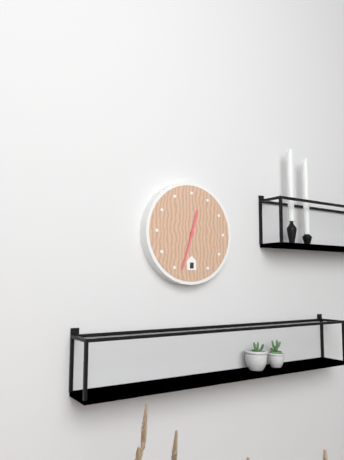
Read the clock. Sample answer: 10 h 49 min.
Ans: 12 h 33 min
